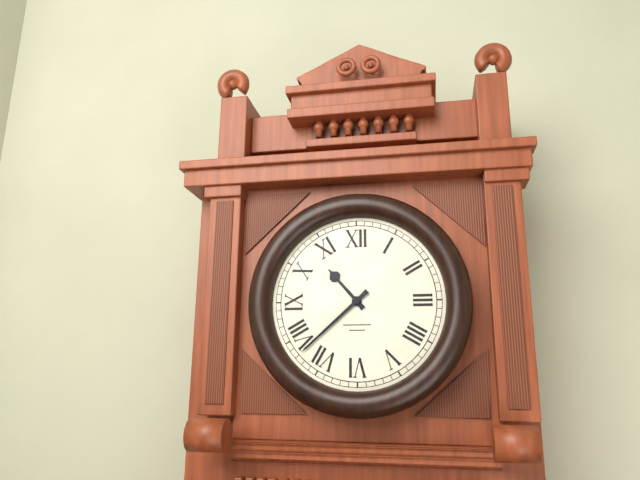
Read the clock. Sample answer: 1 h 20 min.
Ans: 10 h 38 min
